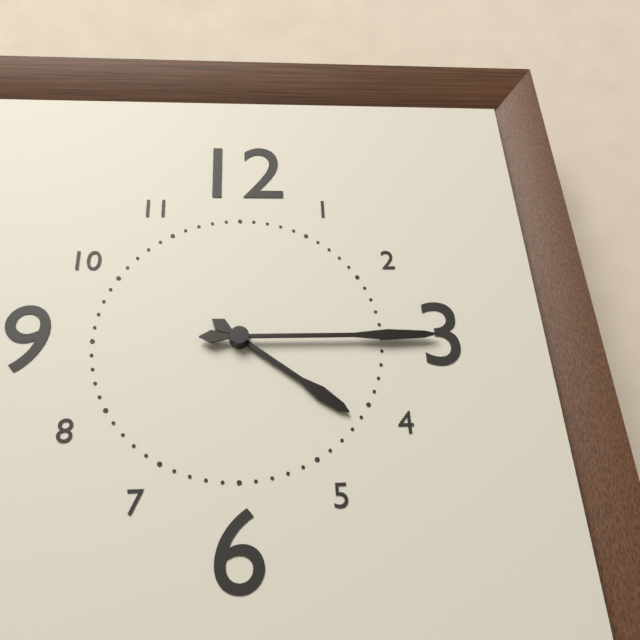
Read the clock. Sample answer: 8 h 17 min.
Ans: 4 h 15 min
